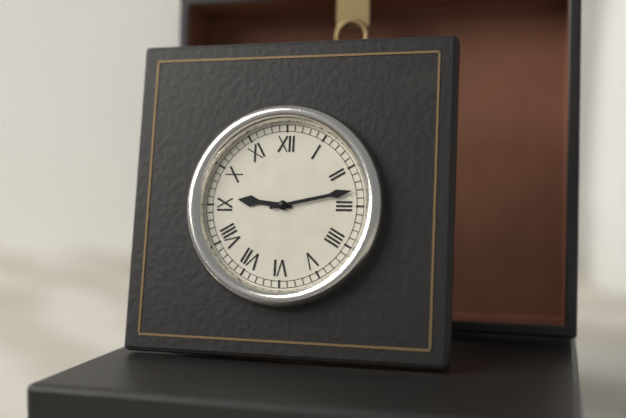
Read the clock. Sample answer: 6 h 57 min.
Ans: 9 h 13 min
